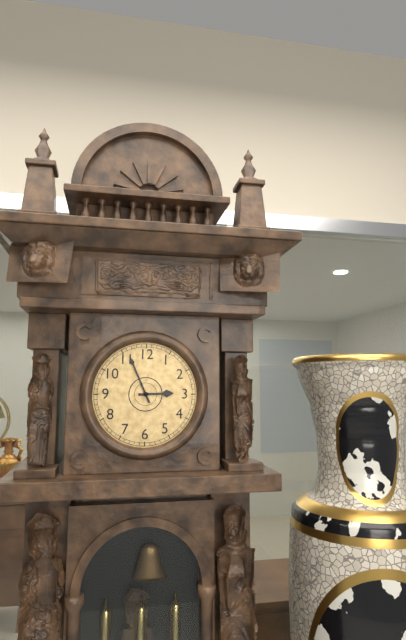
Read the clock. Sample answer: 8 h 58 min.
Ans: 2 h 56 min
